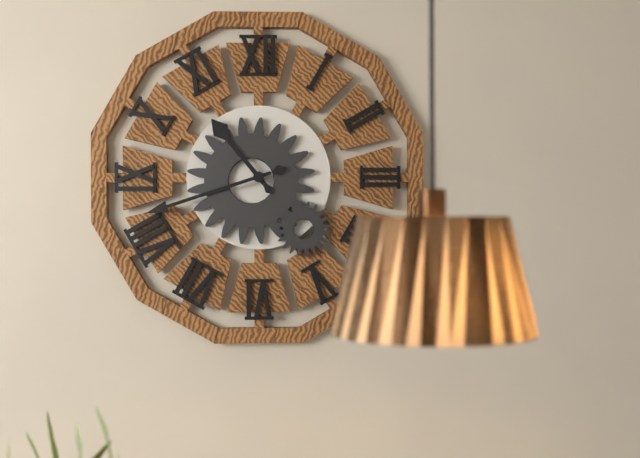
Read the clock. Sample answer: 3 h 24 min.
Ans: 10 h 42 min
